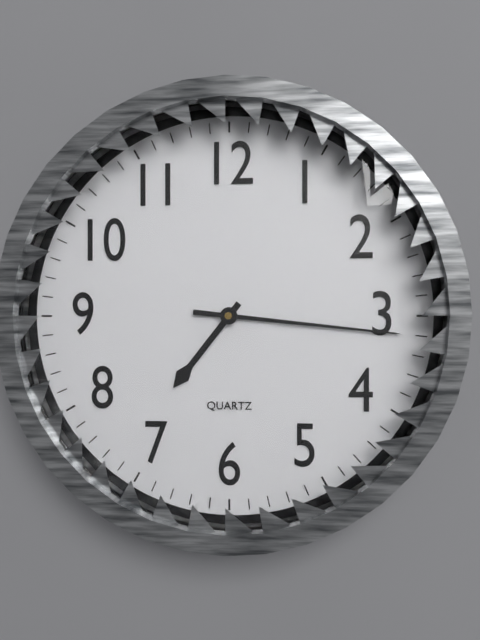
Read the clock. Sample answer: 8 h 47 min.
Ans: 7 h 16 min
